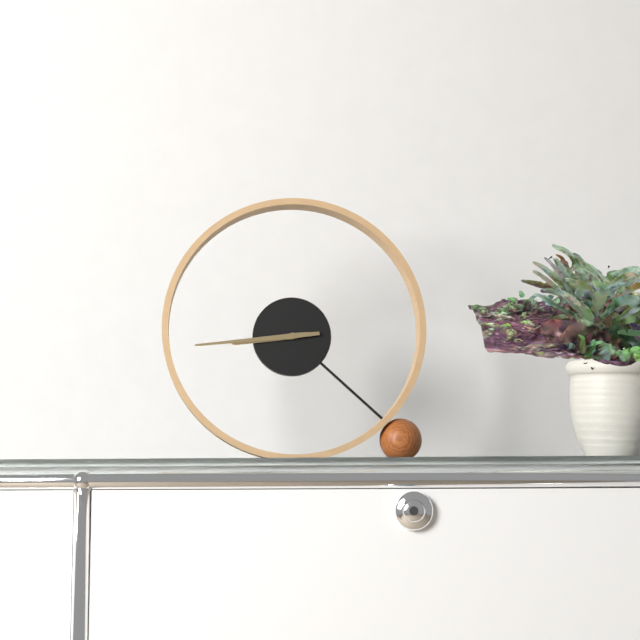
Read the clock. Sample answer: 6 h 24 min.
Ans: 8 h 44 min
